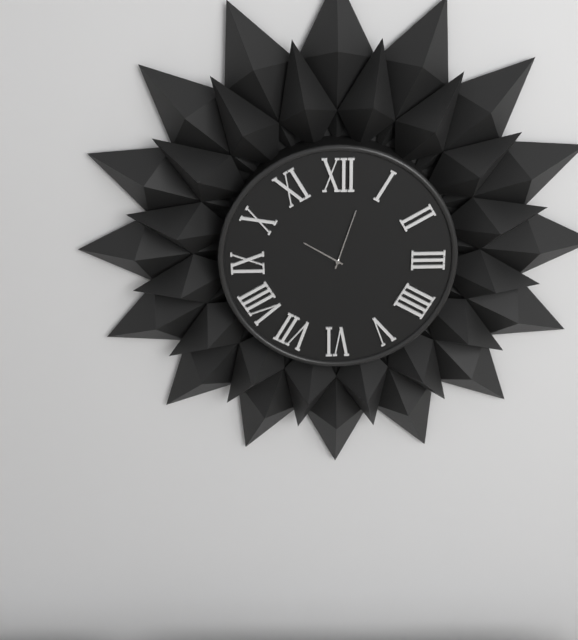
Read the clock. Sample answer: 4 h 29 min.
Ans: 10 h 03 min
